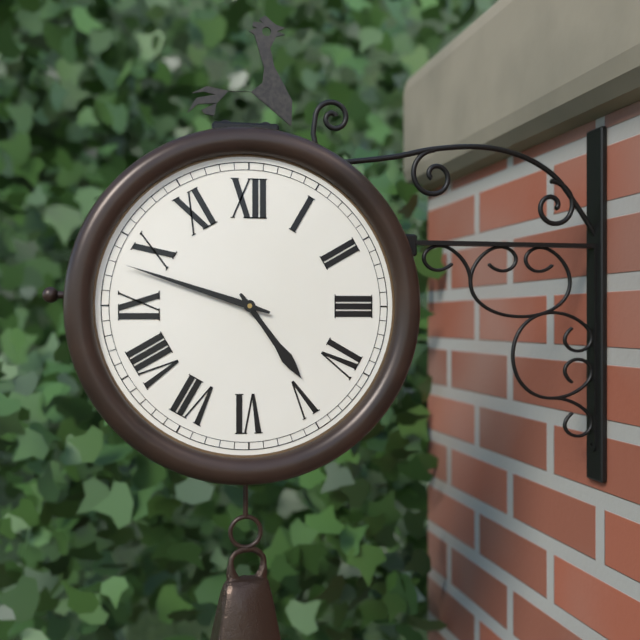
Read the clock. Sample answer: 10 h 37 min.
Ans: 4 h 48 min
